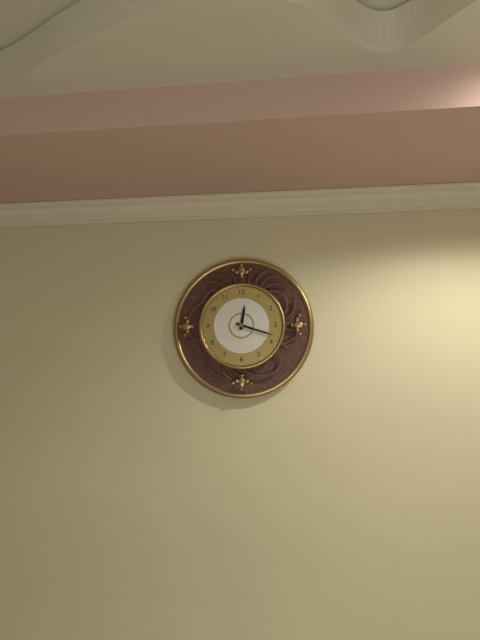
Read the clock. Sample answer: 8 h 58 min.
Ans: 12 h 18 min
